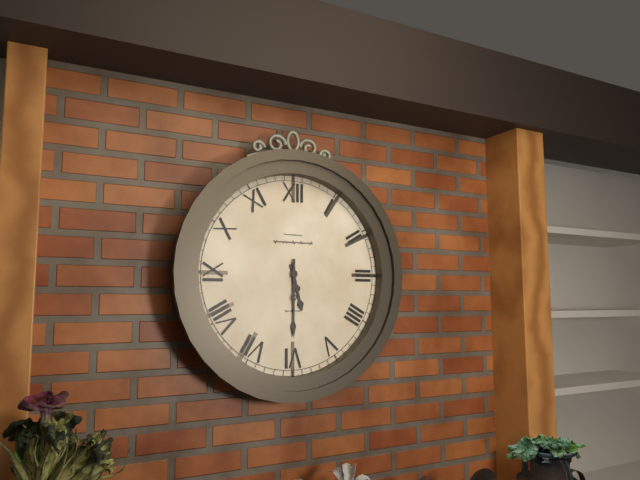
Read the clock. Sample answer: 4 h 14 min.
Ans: 5 h 30 min
